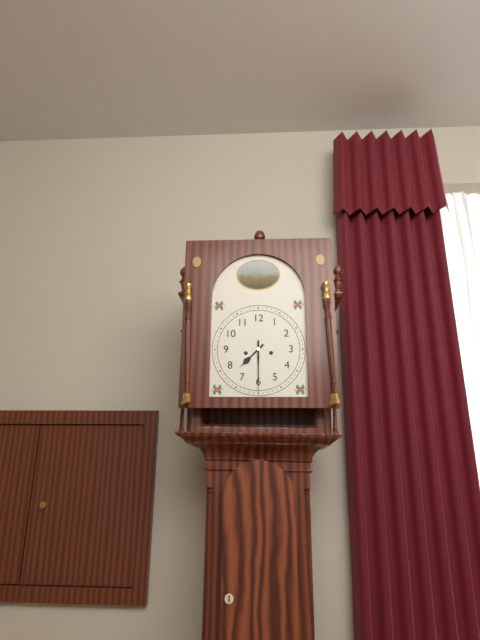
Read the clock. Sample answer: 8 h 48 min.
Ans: 7 h 30 min
